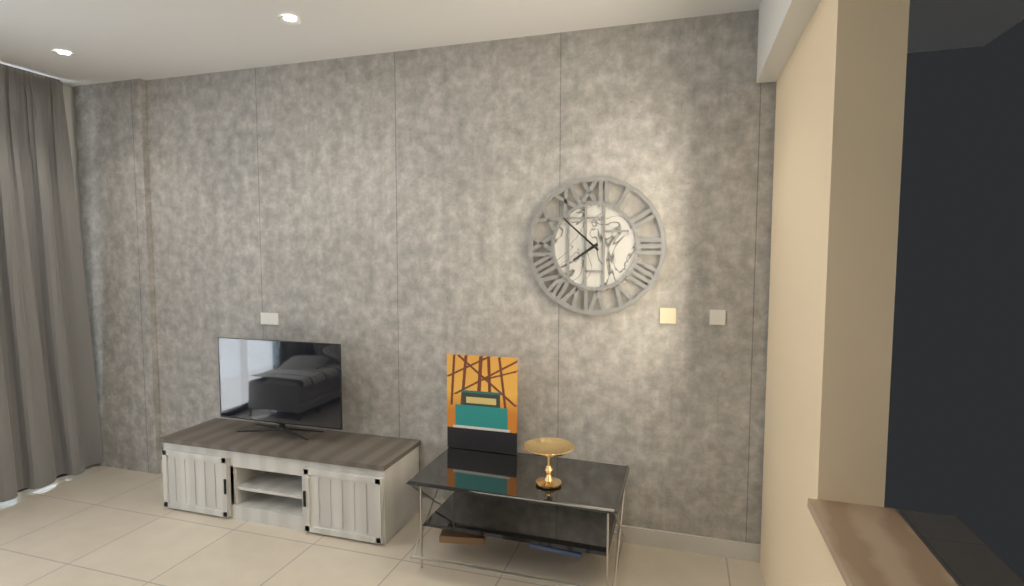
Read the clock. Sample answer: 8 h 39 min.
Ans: 7 h 52 min
